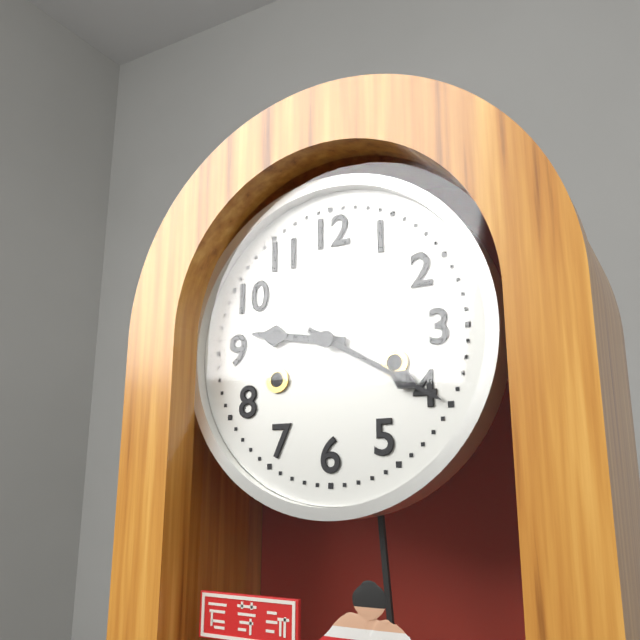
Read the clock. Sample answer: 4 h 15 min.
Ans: 9 h 20 min
